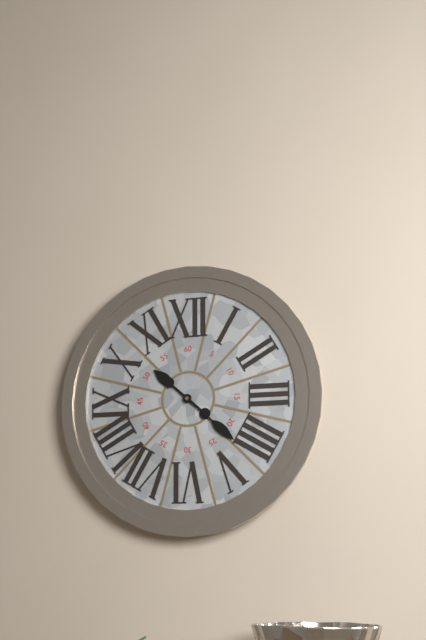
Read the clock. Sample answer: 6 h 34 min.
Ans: 10 h 22 min
